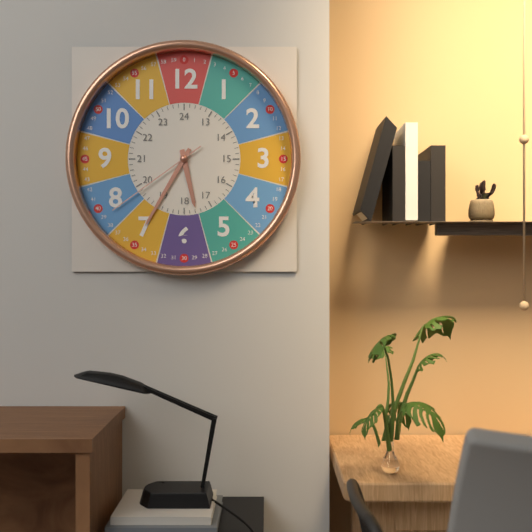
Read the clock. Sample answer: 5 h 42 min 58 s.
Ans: 5 h 35 min 39 s
